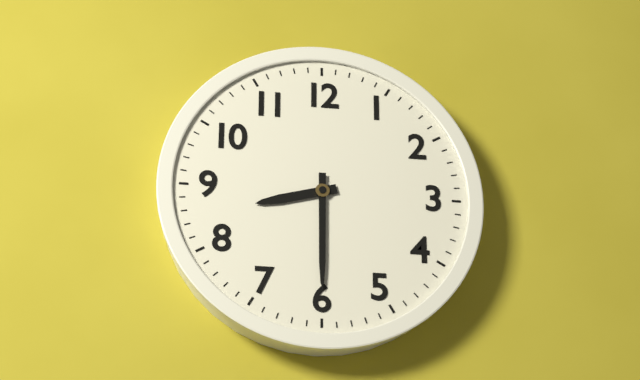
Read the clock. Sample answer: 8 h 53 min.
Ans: 8 h 30 min
